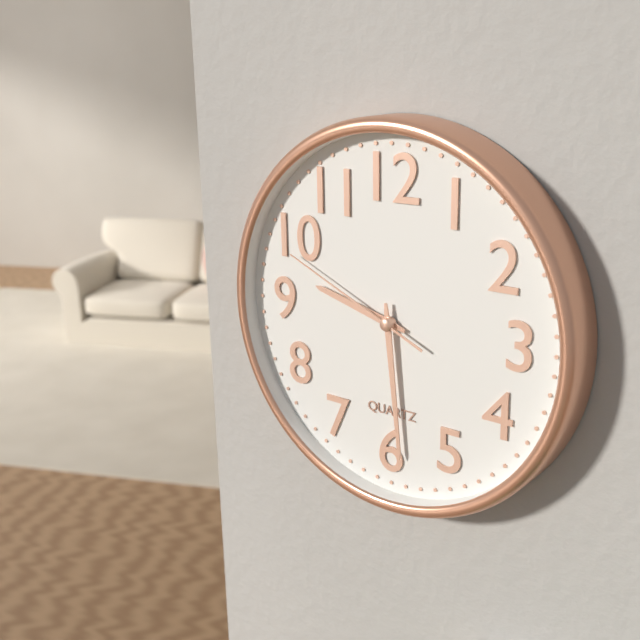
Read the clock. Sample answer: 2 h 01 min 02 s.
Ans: 9 h 29 min 49 s
